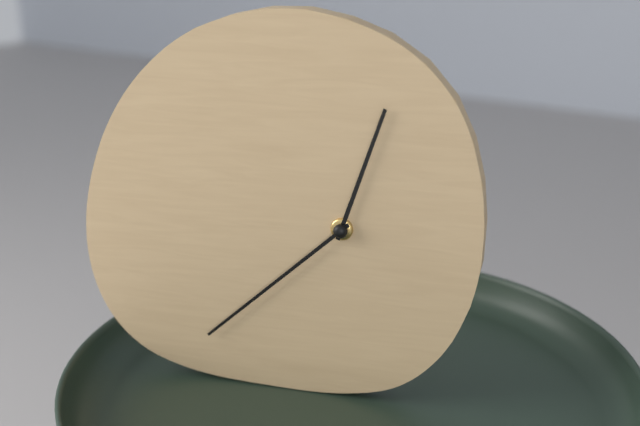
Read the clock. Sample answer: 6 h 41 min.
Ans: 12 h 38 min
